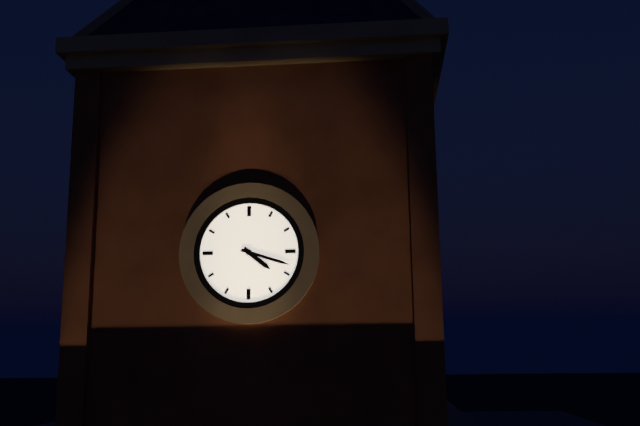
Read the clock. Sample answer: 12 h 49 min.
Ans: 4 h 18 min
